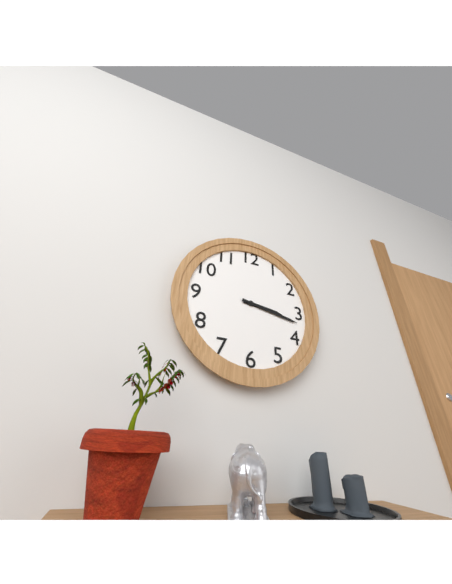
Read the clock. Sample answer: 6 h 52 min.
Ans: 3 h 17 min
